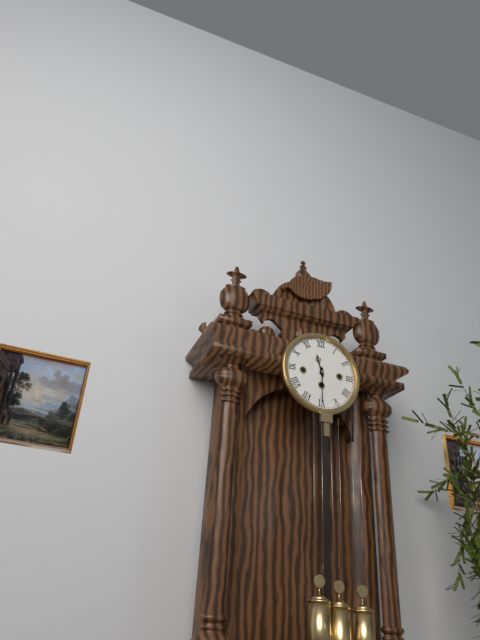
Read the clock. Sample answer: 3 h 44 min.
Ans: 11 h 30 min
